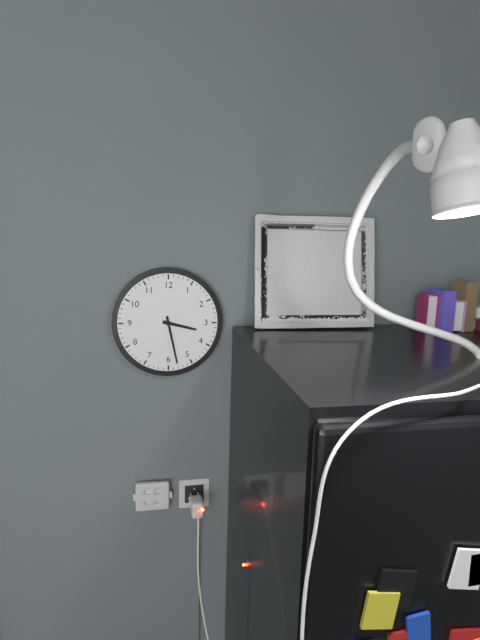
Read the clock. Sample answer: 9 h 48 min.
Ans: 3 h 28 min
